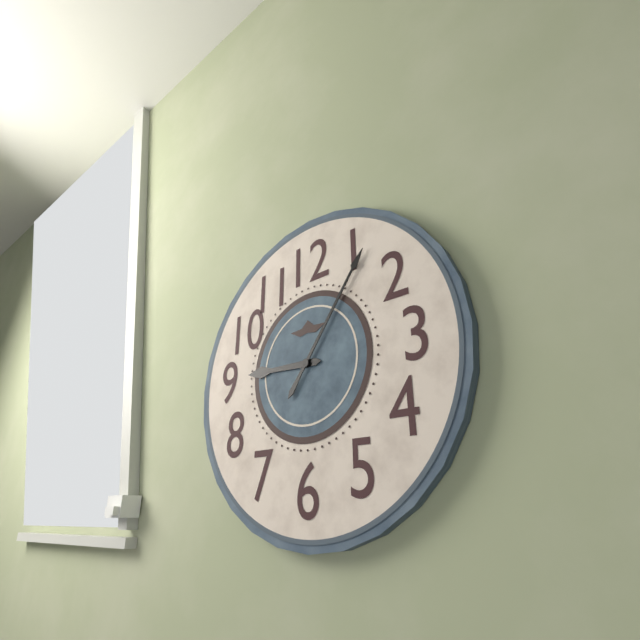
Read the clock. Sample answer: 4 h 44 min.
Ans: 9 h 06 min
